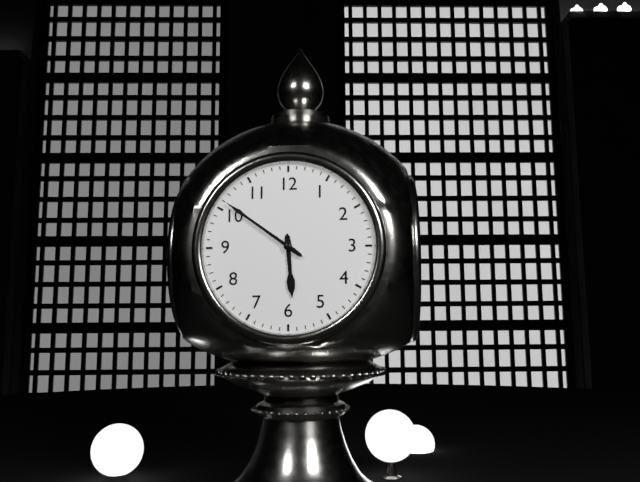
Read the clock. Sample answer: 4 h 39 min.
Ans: 5 h 51 min
